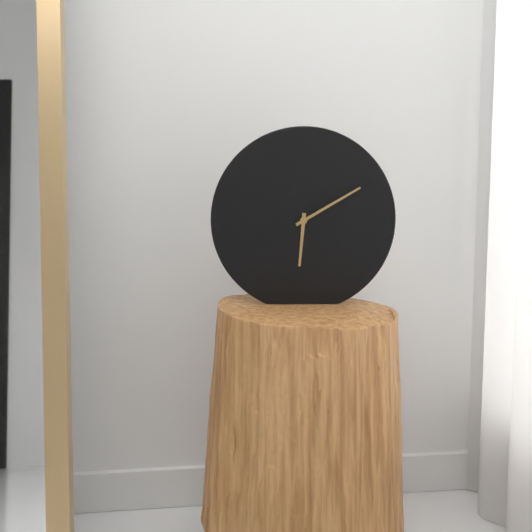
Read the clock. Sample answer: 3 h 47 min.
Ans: 6 h 10 min
